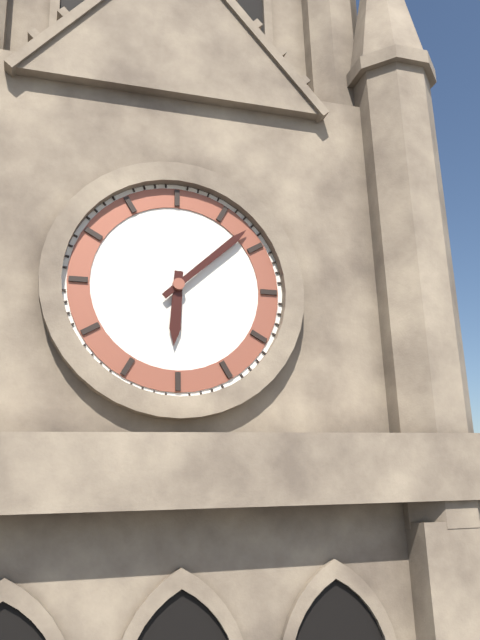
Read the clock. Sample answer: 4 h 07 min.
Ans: 6 h 08 min
